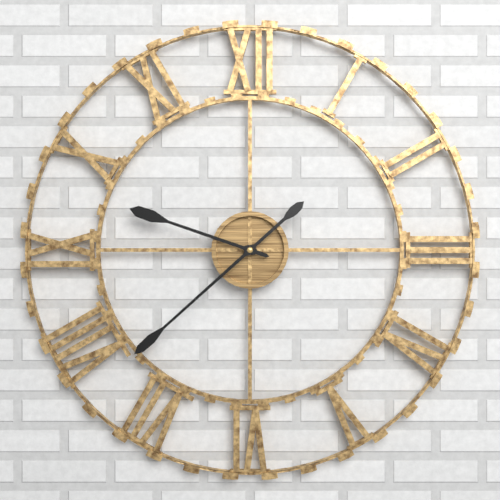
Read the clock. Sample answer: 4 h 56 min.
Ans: 9 h 38 min
